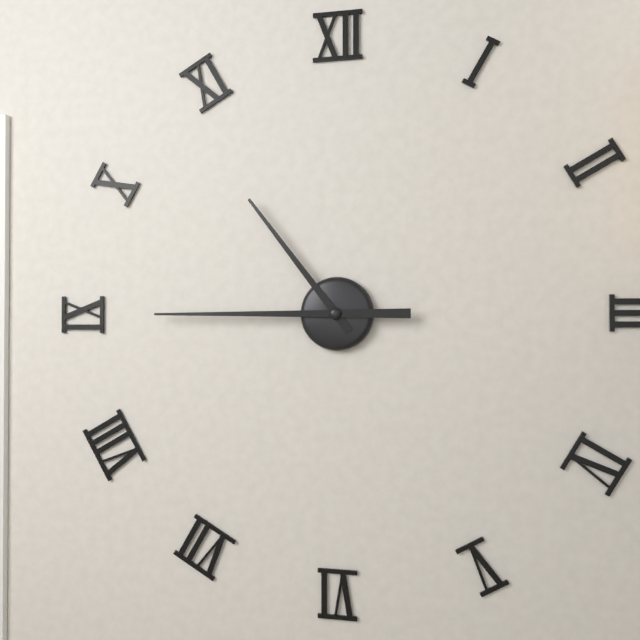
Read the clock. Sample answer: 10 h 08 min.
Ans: 10 h 45 min
